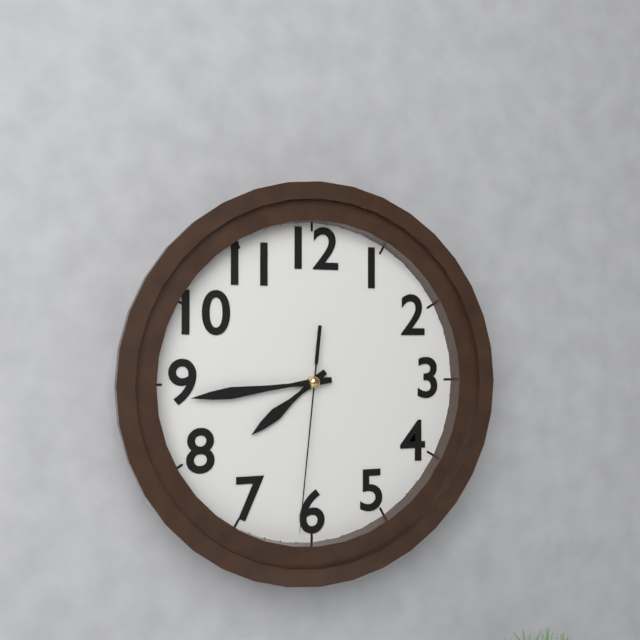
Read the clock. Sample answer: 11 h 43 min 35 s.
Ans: 7 h 44 min 31 s
